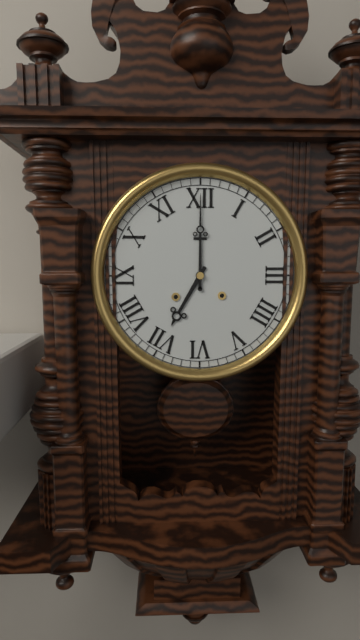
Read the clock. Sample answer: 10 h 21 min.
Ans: 7 h 00 min
